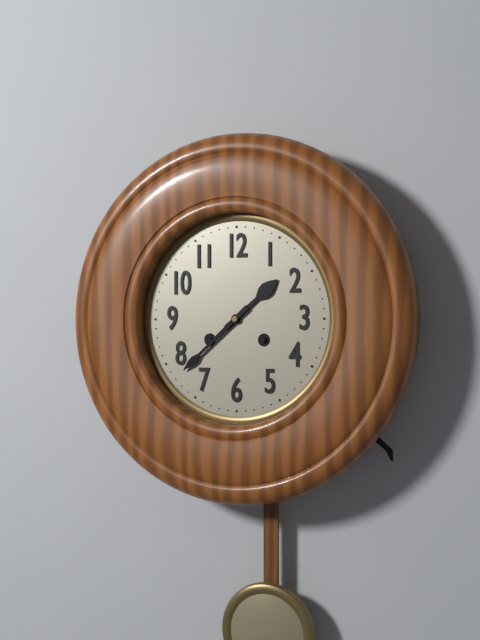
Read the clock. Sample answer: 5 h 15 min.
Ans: 1 h 38 min
